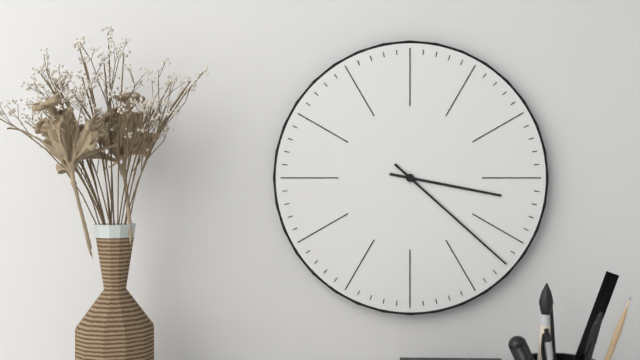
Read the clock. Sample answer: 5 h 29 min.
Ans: 3 h 22 min
